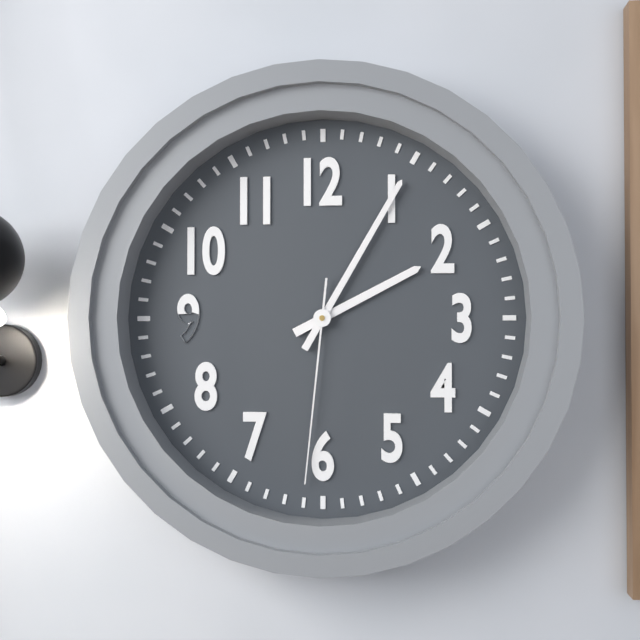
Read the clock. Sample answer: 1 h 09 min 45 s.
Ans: 2 h 05 min 31 s
